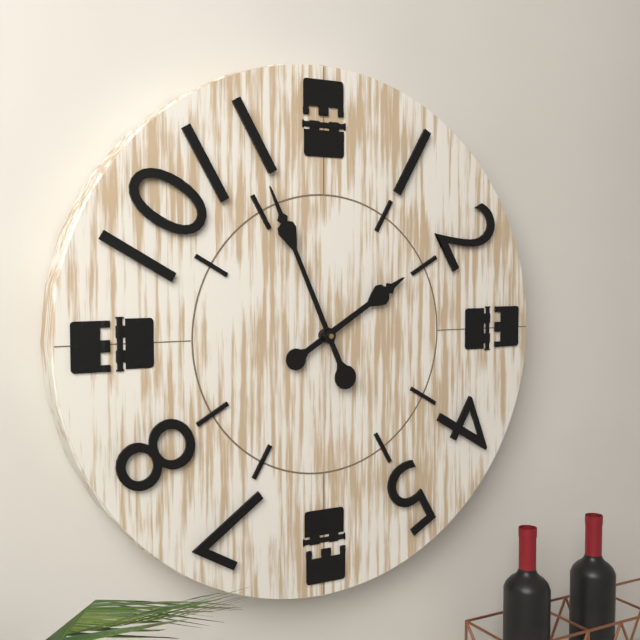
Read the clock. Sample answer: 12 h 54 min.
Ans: 1 h 56 min
